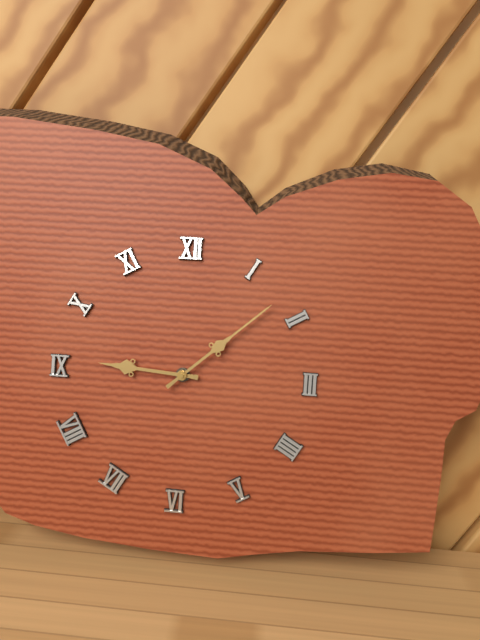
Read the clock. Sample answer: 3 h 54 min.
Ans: 9 h 08 min
